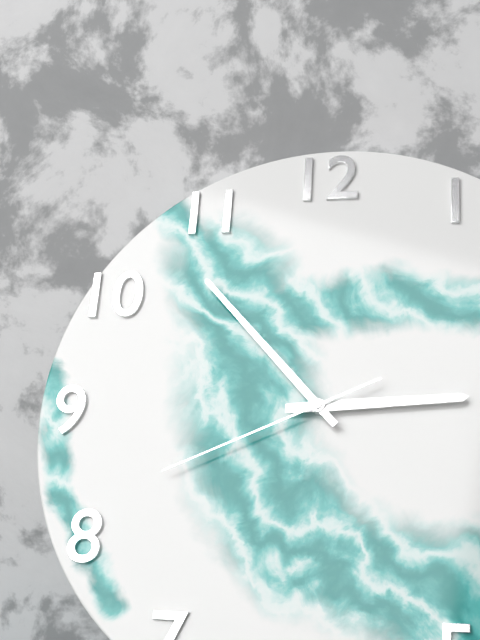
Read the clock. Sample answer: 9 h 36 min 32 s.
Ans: 2 h 53 min 41 s
